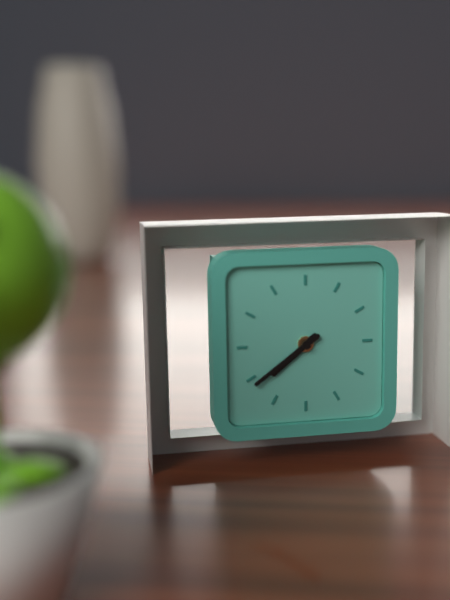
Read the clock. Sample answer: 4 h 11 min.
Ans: 7 h 39 min
